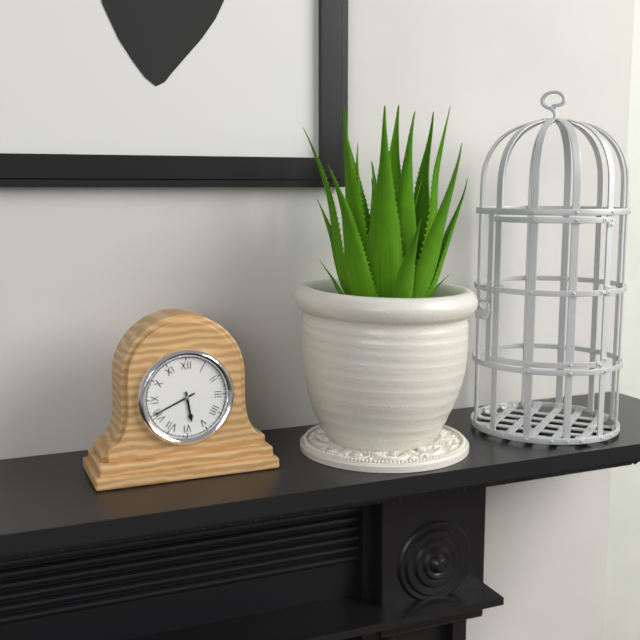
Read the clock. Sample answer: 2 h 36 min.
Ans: 5 h 41 min
